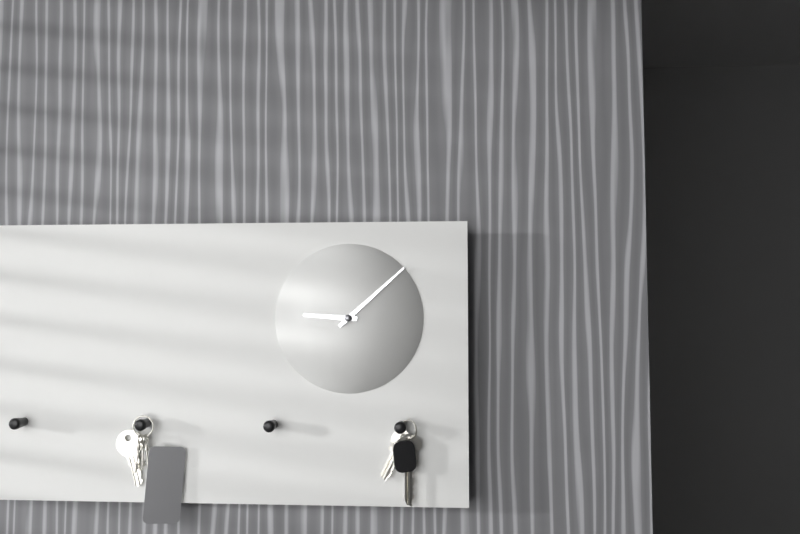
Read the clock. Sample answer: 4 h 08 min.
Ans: 9 h 08 min
